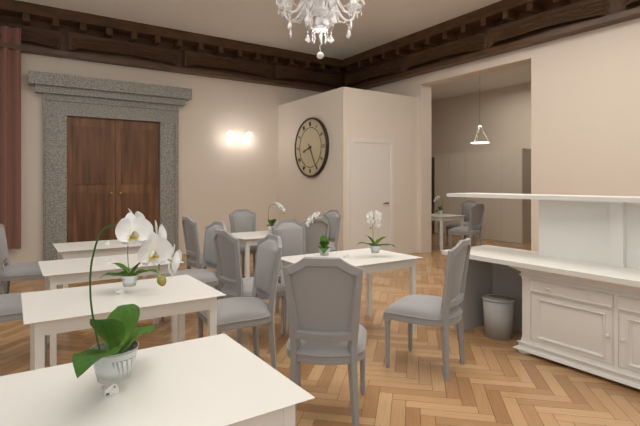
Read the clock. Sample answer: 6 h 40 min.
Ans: 8 h 25 min
